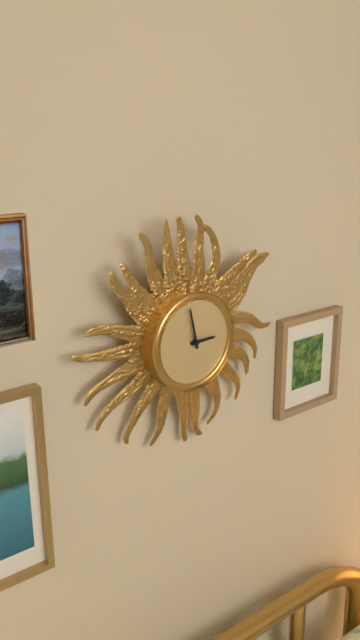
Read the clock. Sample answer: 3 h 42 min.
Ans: 2 h 58 min
